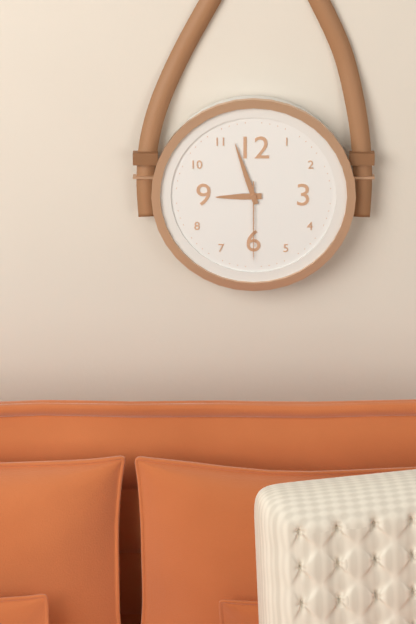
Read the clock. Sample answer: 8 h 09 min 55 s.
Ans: 8 h 57 min 30 s
